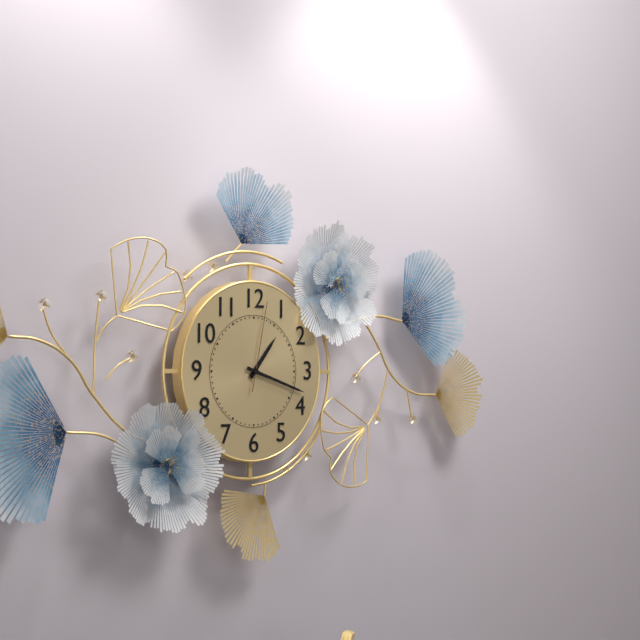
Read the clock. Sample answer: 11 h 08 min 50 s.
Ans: 1 h 18 min 02 s
